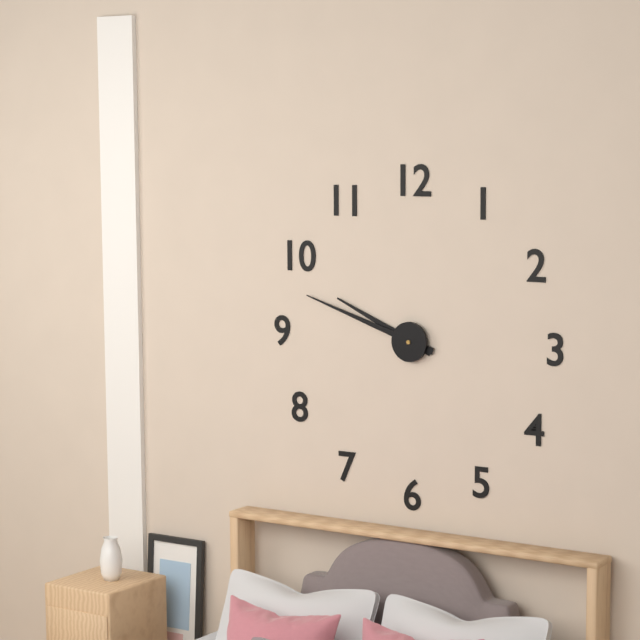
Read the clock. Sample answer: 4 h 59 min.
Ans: 9 h 48 min
